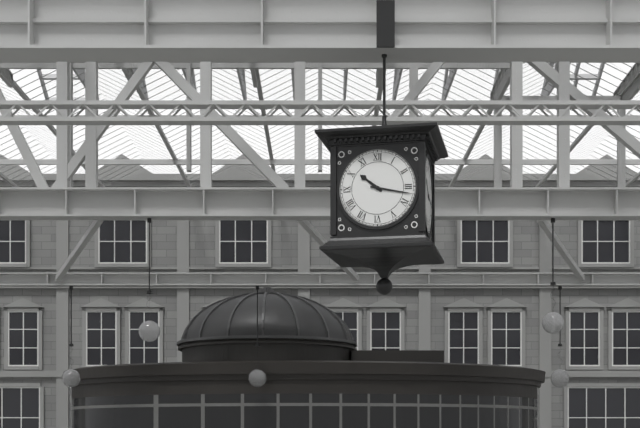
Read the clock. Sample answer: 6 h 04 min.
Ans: 10 h 17 min
